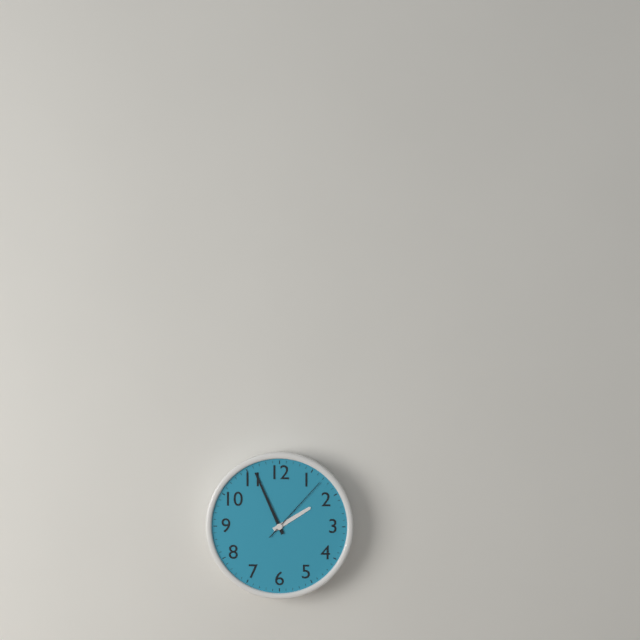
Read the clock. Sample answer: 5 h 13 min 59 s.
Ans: 1 h 56 min 07 s
